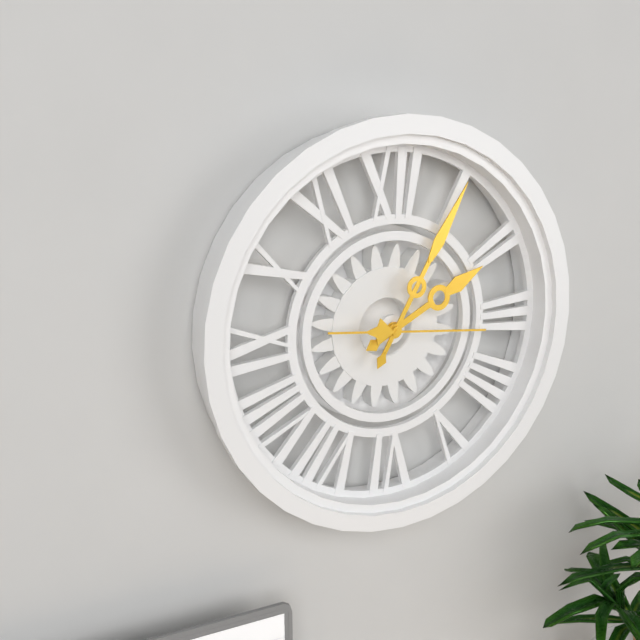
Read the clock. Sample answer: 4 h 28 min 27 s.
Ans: 2 h 05 min 16 s
